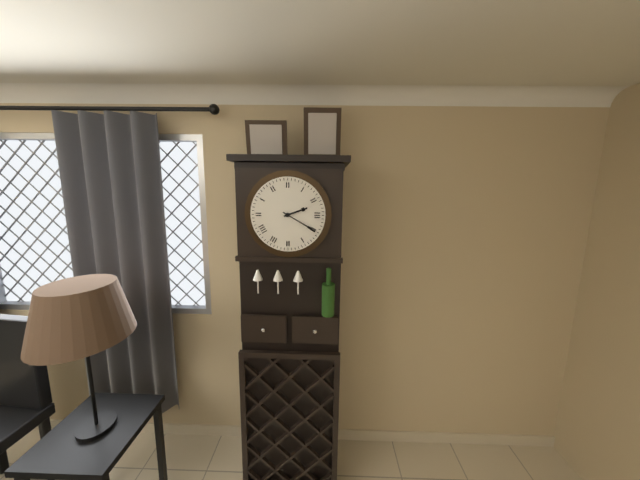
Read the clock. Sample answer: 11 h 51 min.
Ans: 2 h 20 min
